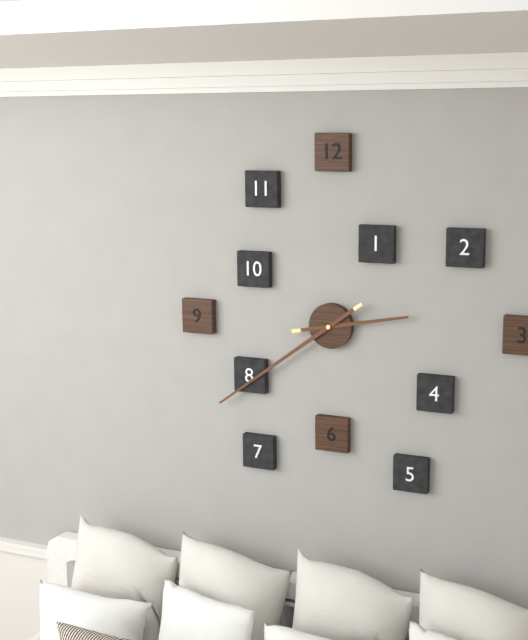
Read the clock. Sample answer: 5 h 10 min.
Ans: 2 h 39 min
